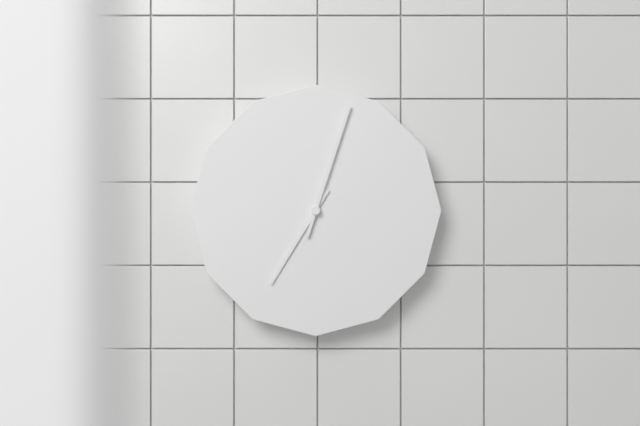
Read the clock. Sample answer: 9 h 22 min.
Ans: 7 h 03 min
